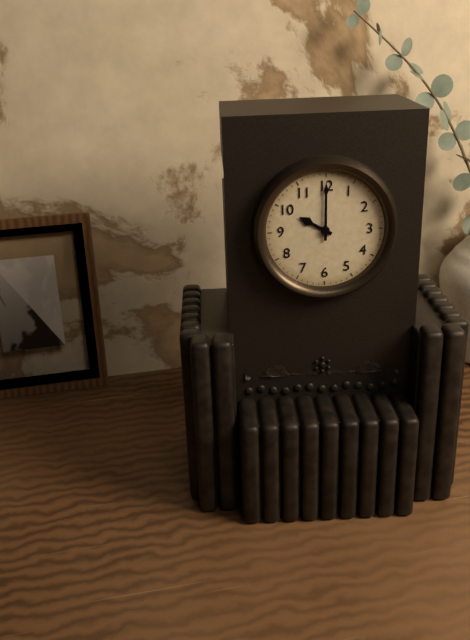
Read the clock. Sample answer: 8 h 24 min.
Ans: 10 h 00 min
